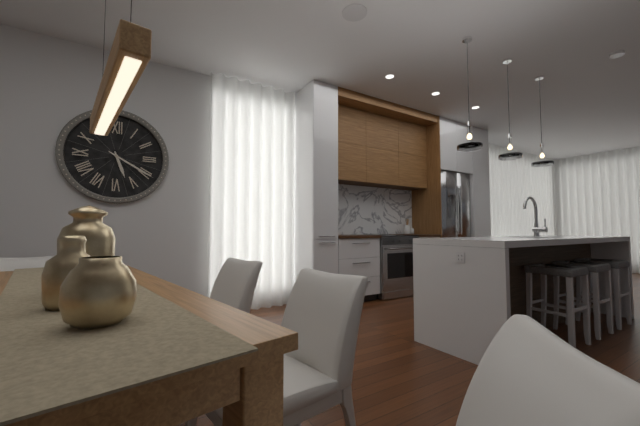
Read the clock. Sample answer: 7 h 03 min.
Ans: 5 h 20 min
